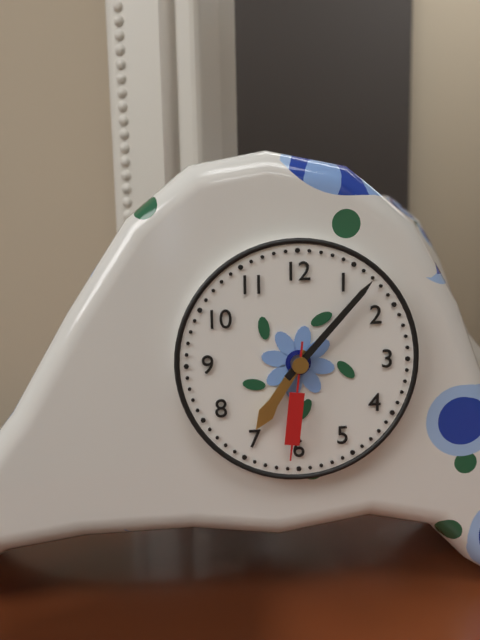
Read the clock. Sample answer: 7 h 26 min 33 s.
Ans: 7 h 07 min 31 s
